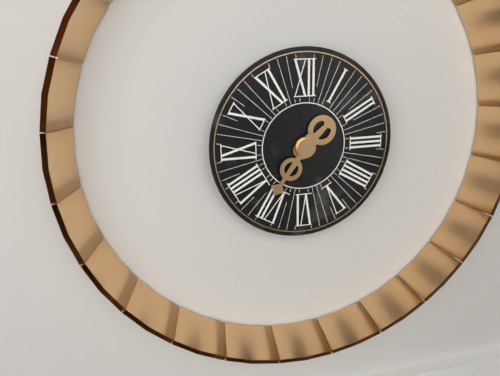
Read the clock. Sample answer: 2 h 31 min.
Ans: 1 h 36 min
